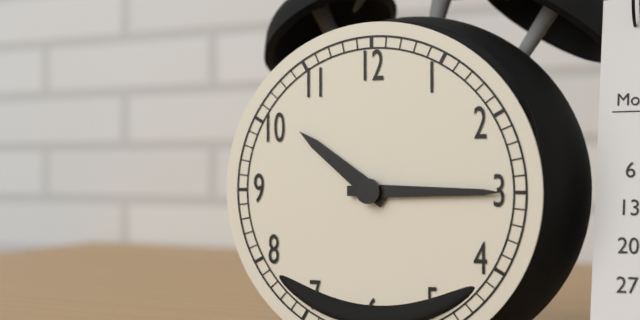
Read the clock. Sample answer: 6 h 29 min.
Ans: 10 h 15 min
